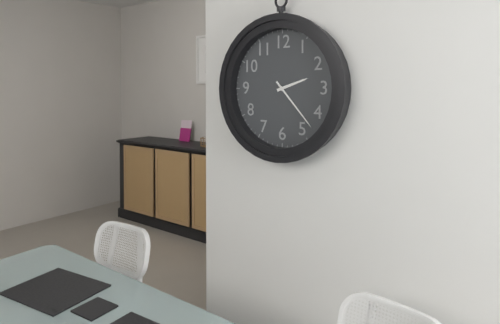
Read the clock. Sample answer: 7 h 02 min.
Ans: 2 h 23 min
